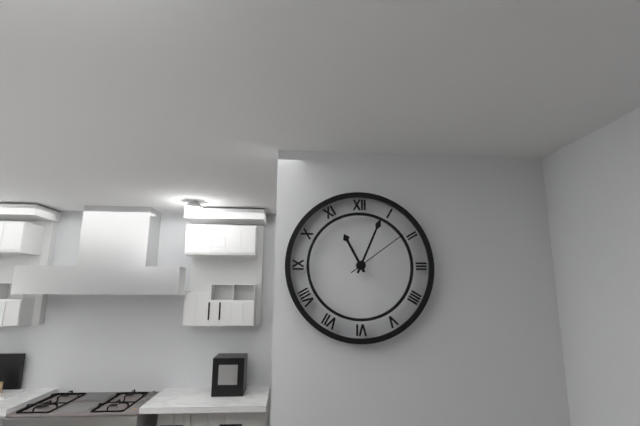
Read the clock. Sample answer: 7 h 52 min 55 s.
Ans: 11 h 04 min 09 s
